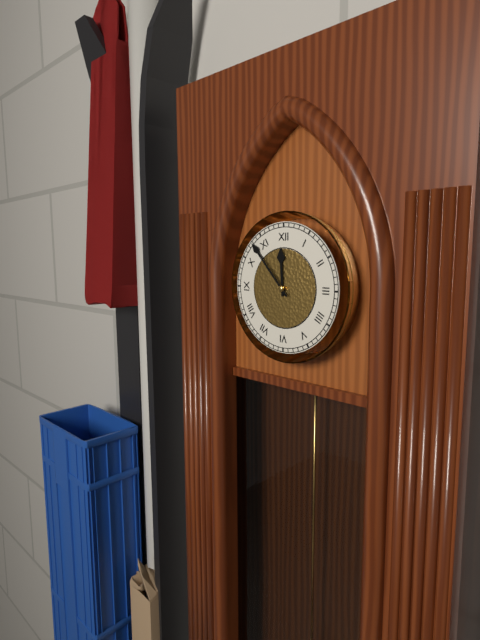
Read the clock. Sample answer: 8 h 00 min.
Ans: 11 h 53 min
